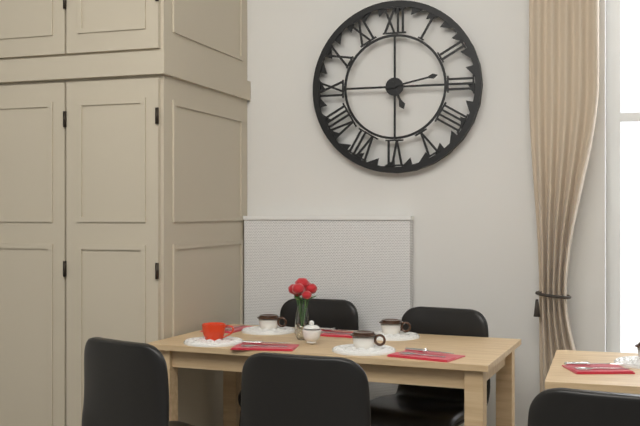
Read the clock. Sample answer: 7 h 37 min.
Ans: 5 h 13 min
